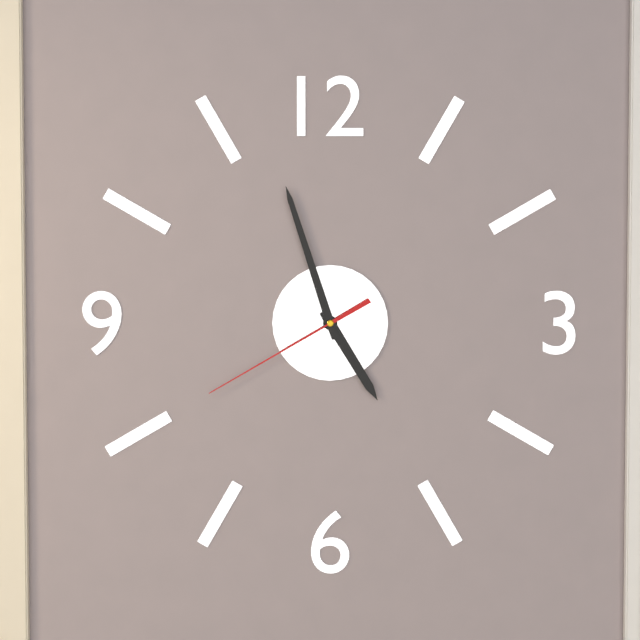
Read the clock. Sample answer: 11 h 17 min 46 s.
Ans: 4 h 57 min 40 s
